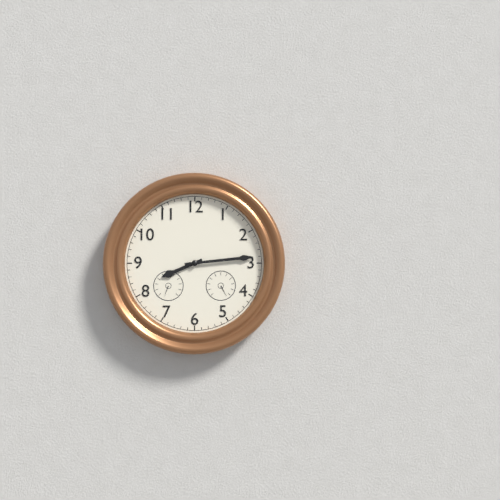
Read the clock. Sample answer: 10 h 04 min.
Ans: 8 h 14 min
